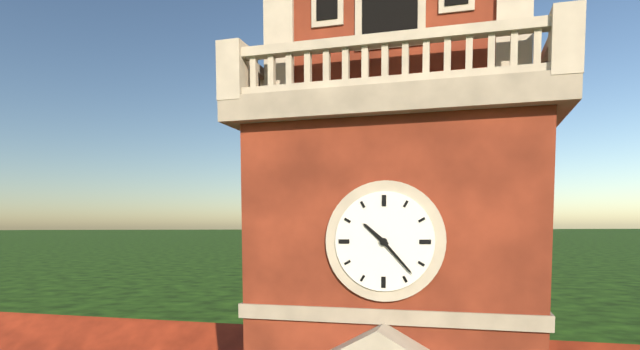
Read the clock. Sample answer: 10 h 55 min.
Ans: 10 h 23 min
